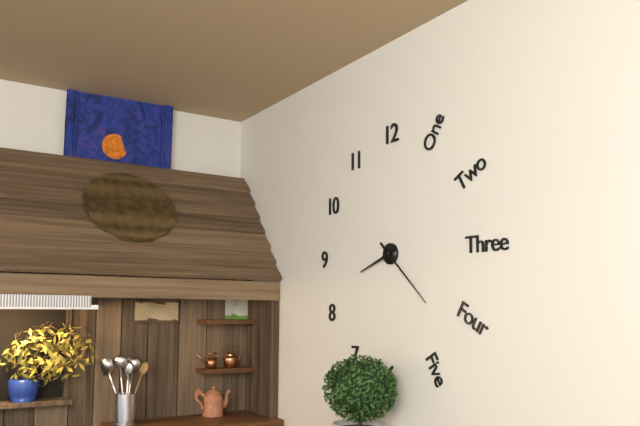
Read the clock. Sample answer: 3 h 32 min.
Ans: 8 h 22 min
